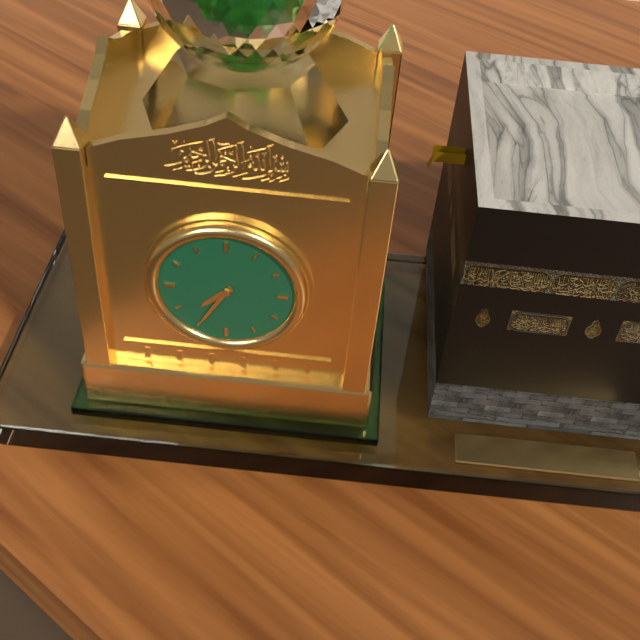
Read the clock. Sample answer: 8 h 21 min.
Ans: 7 h 35 min
